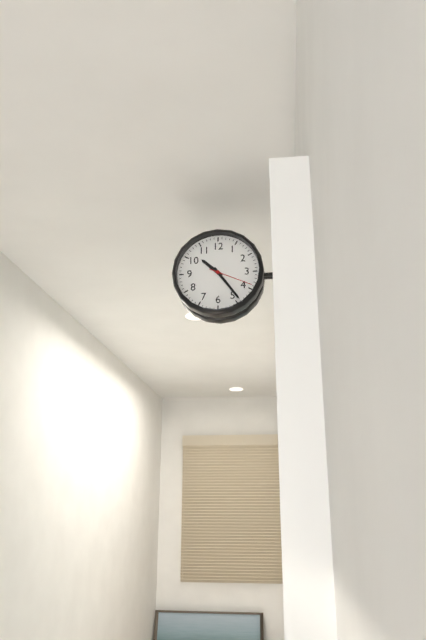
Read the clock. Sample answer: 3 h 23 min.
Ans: 10 h 24 min
